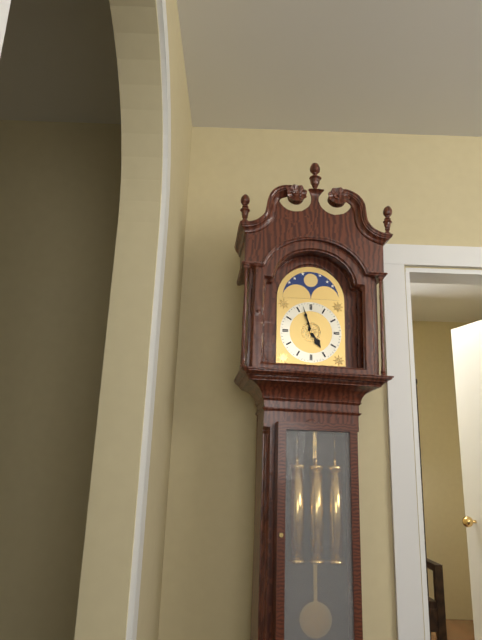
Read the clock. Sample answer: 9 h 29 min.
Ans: 4 h 57 min
